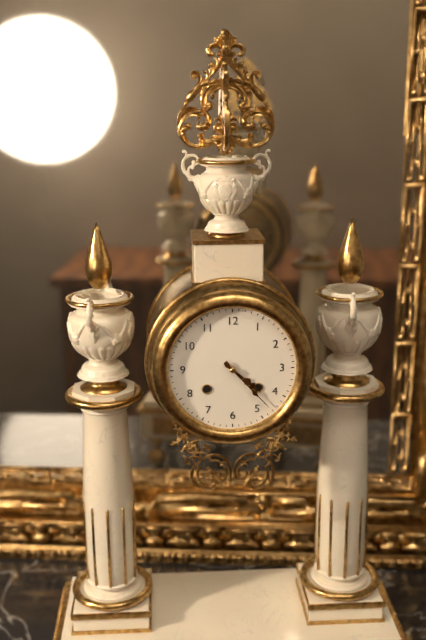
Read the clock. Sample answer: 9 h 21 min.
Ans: 4 h 23 min
